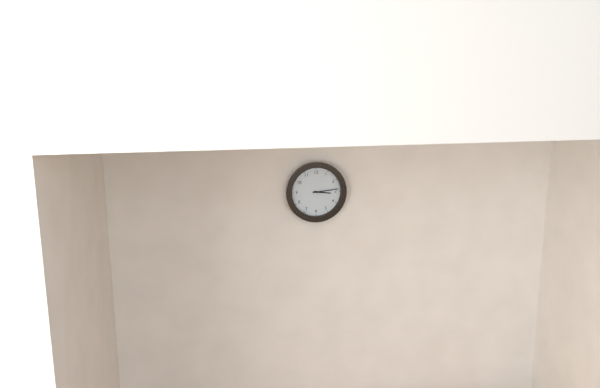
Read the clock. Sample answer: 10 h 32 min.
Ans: 3 h 14 min
